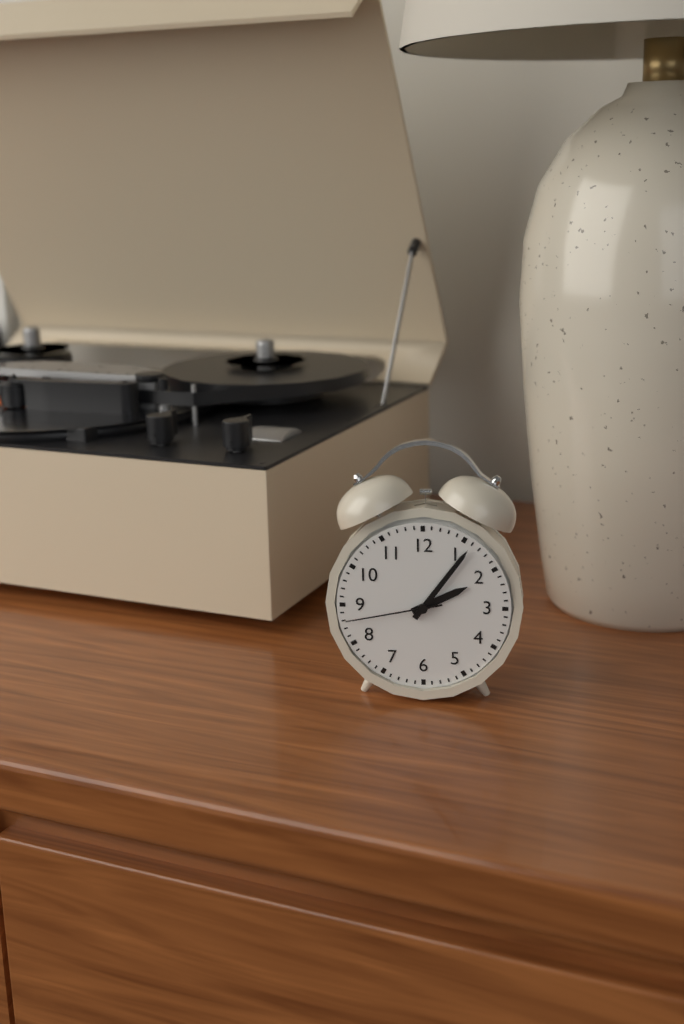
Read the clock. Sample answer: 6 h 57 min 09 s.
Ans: 2 h 06 min 43 s
